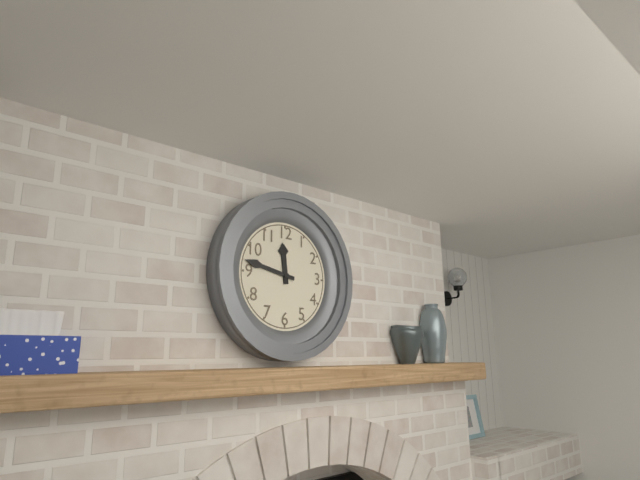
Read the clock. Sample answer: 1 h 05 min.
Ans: 11 h 47 min
